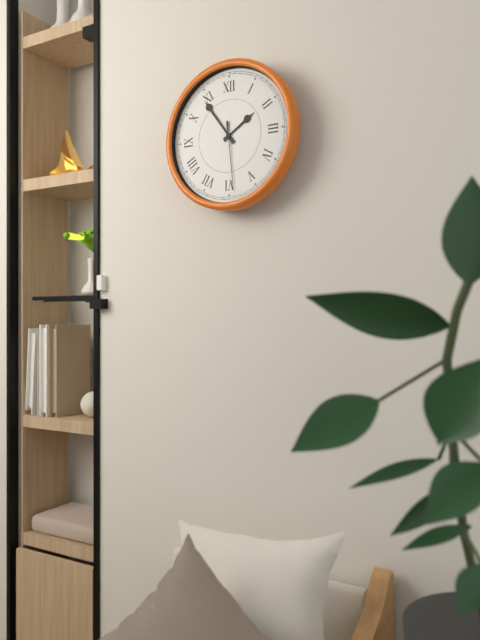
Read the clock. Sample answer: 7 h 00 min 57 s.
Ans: 1 h 54 min 29 s
